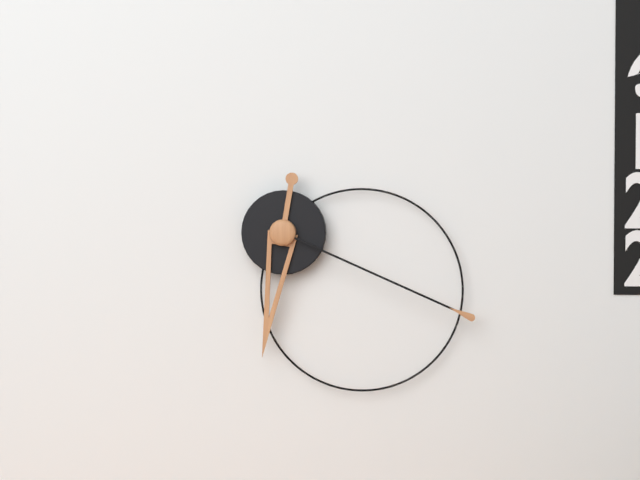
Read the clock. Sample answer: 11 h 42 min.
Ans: 6 h 19 min
